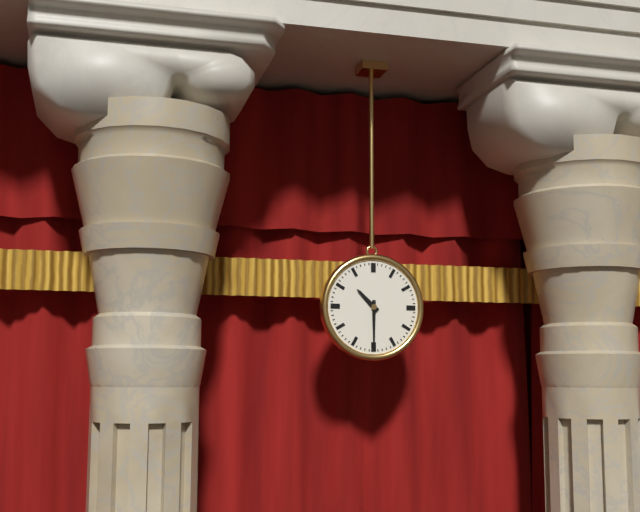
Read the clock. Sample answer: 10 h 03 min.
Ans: 10 h 30 min
